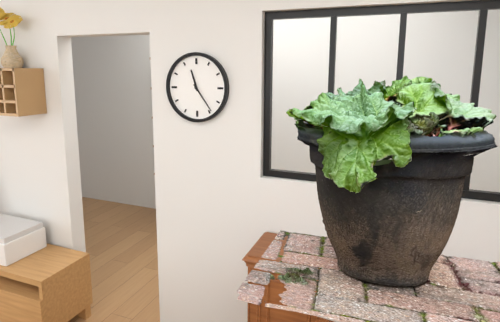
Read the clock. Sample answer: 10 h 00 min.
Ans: 11 h 24 min
